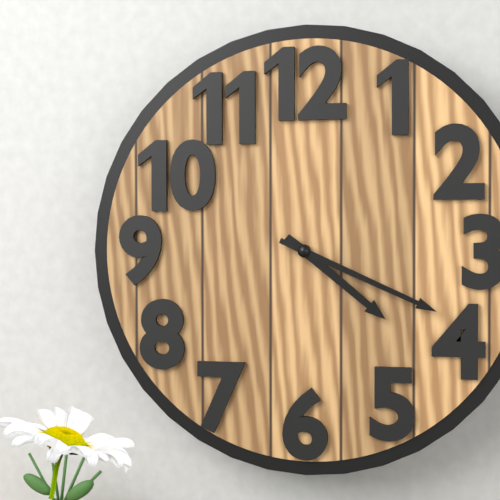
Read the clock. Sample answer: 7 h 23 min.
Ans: 4 h 19 min
